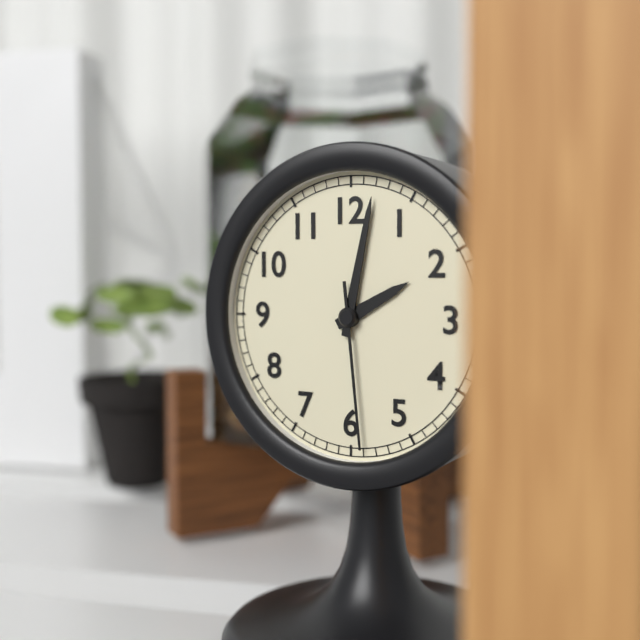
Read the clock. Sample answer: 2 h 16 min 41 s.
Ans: 2 h 02 min 29 s
